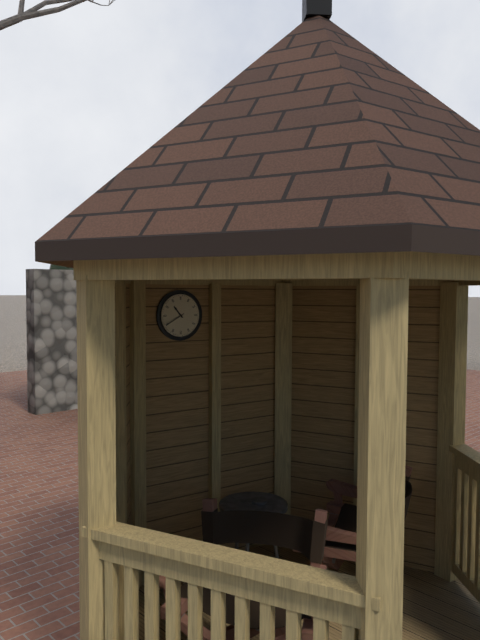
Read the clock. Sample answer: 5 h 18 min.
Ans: 10 h 40 min
